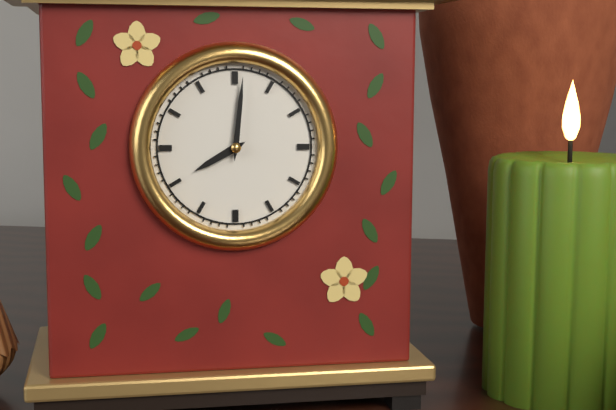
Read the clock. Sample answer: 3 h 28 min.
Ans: 8 h 01 min
